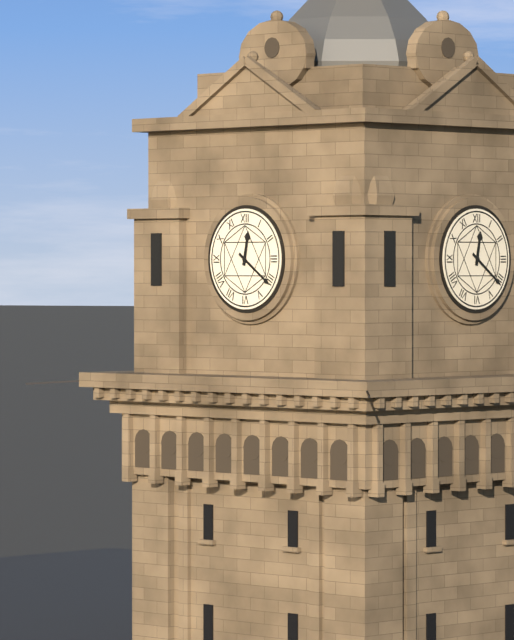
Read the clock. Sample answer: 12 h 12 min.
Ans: 12 h 21 min
